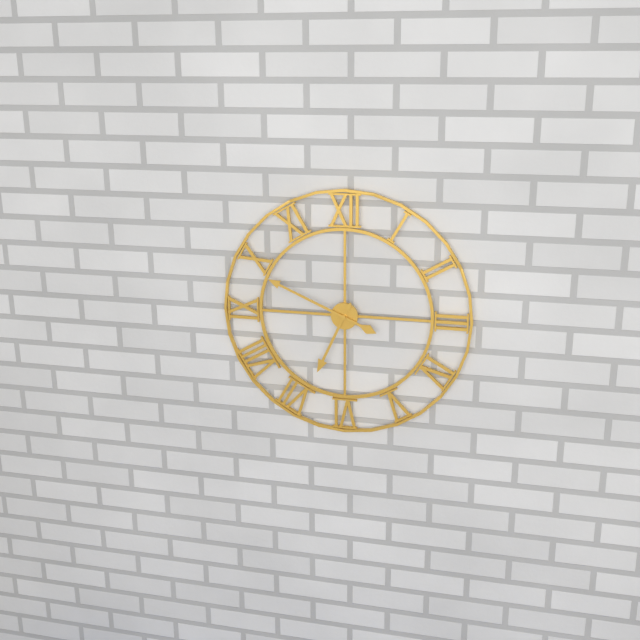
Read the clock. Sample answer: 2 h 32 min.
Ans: 6 h 49 min
